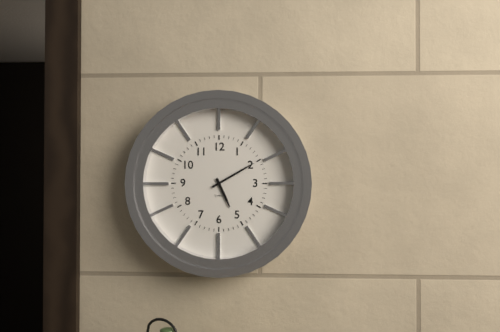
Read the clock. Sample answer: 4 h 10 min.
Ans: 5 h 10 min
